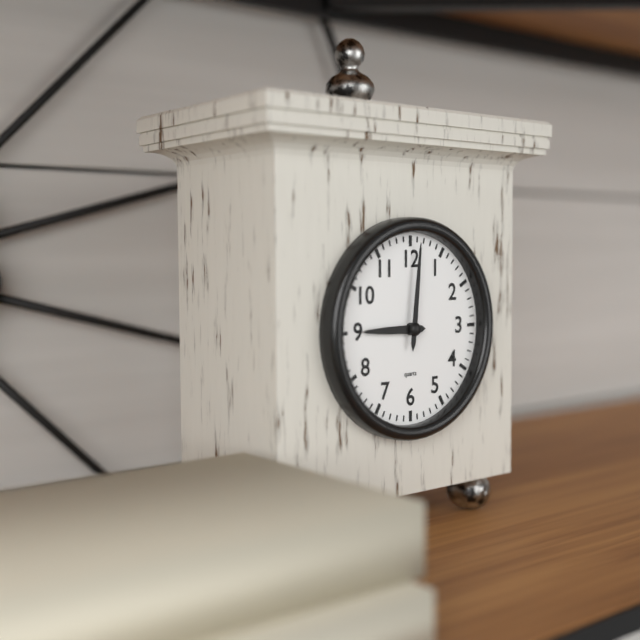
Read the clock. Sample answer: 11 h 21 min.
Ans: 9 h 01 min
